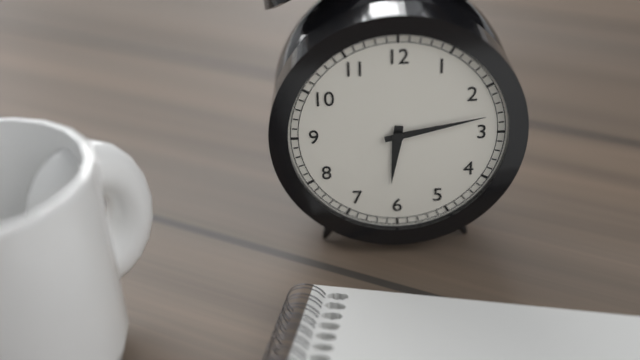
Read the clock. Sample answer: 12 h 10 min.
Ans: 6 h 13 min
